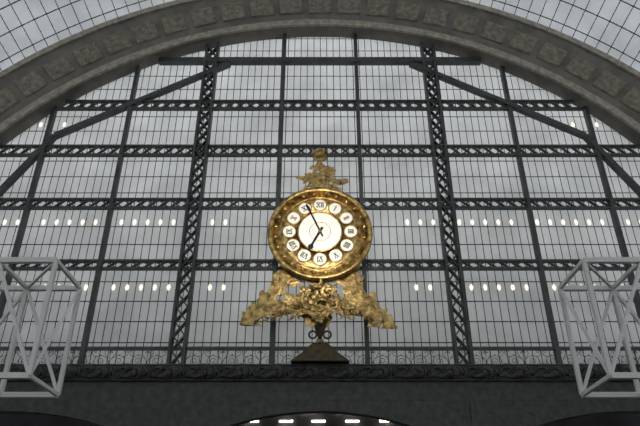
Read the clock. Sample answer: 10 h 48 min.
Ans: 6 h 56 min
